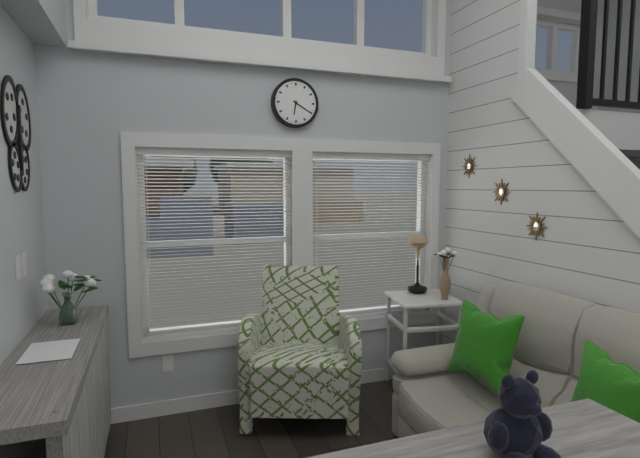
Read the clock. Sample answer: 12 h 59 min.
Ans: 6 h 20 min
